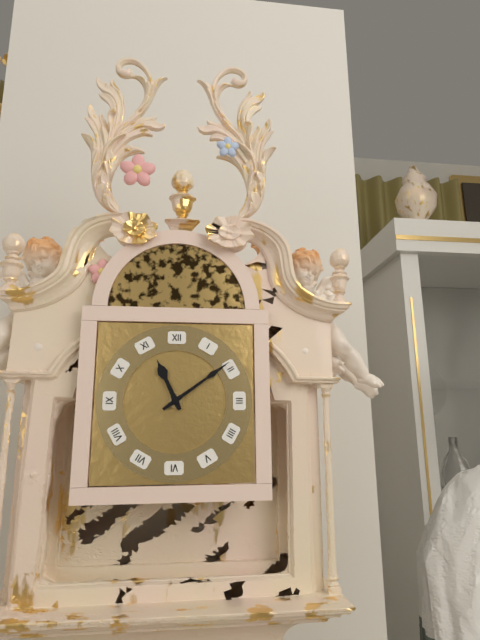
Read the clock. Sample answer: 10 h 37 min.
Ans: 11 h 09 min
